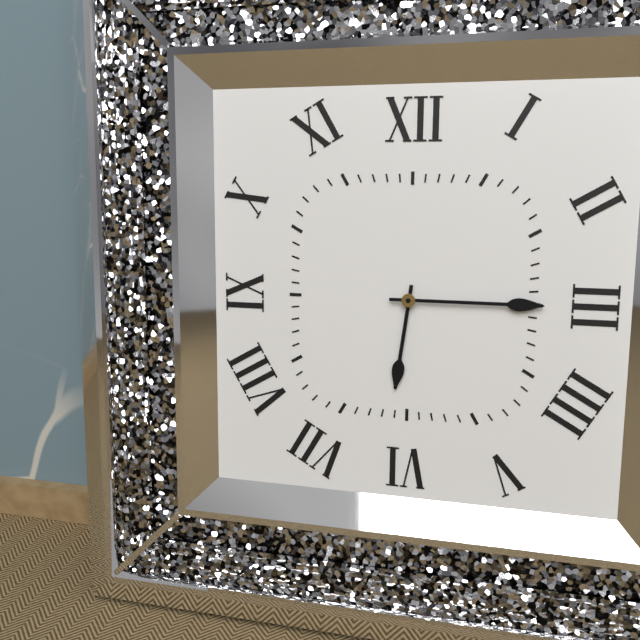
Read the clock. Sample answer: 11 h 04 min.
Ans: 6 h 15 min
